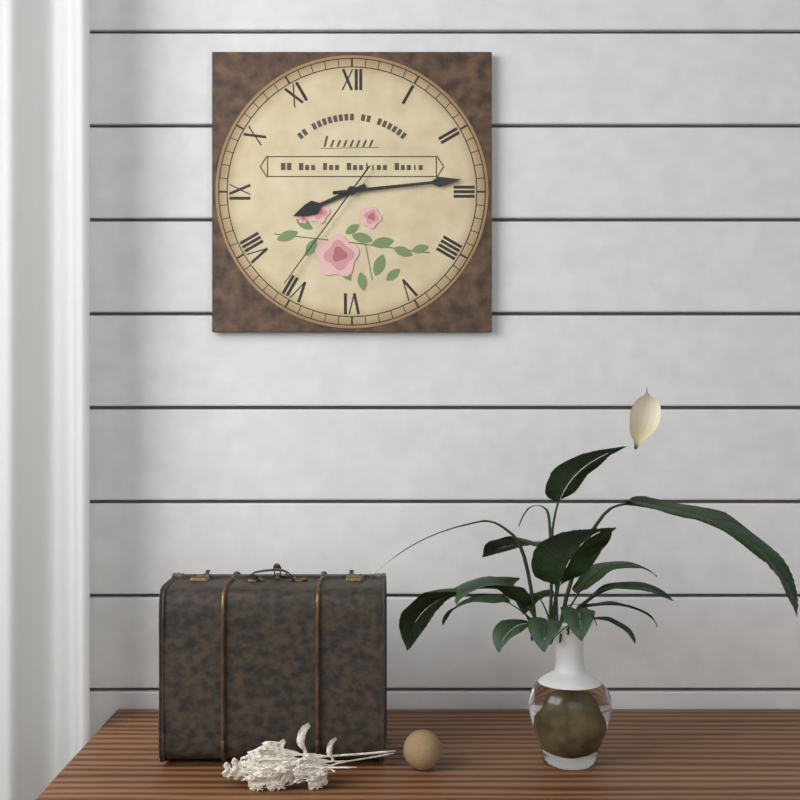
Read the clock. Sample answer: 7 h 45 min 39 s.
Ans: 8 h 14 min 36 s
